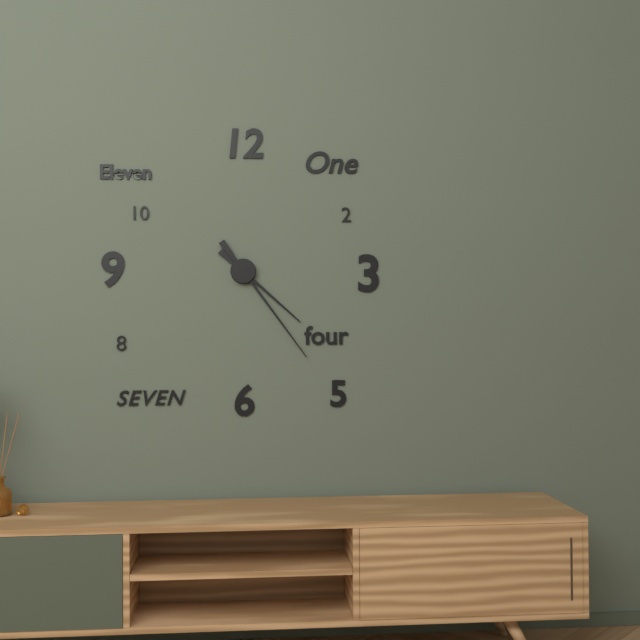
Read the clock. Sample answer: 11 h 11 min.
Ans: 4 h 24 min
